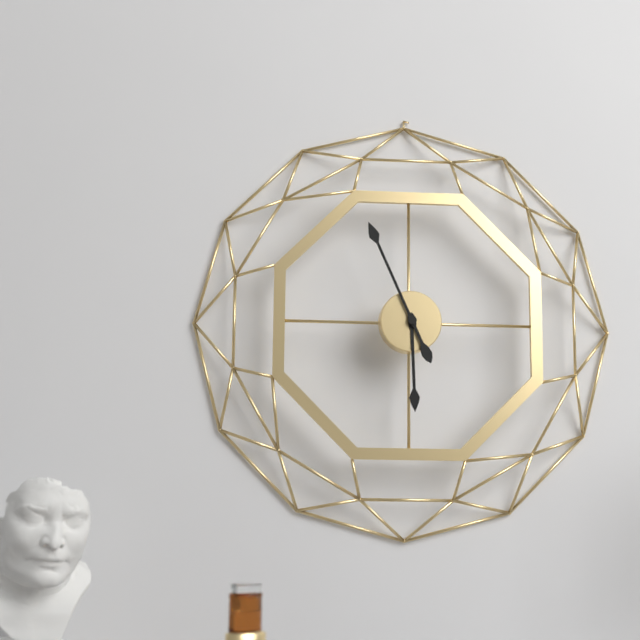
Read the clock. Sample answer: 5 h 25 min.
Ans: 5 h 56 min
